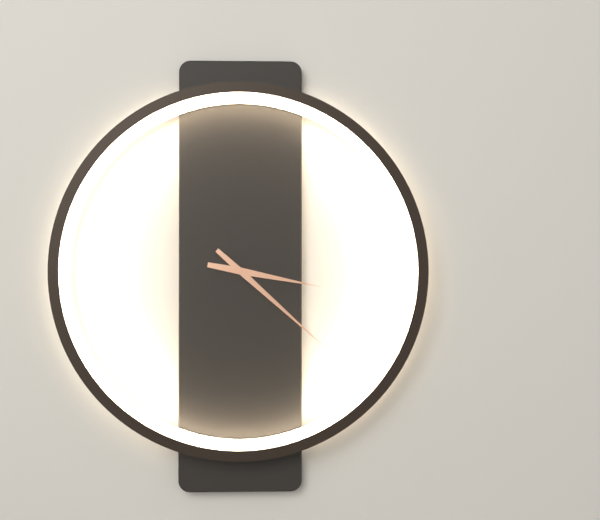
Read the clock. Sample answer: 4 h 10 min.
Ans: 3 h 22 min
